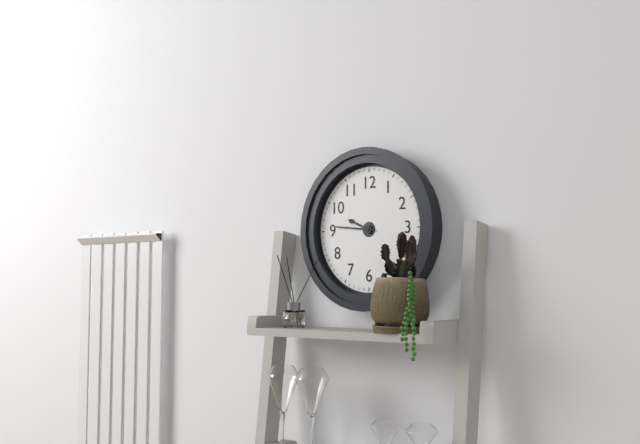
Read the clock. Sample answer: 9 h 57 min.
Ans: 9 h 46 min
